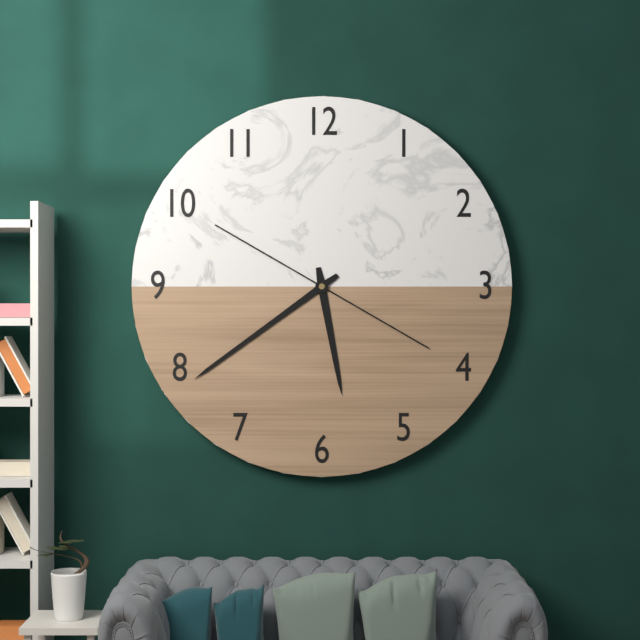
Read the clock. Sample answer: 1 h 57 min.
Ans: 5 h 39 min
